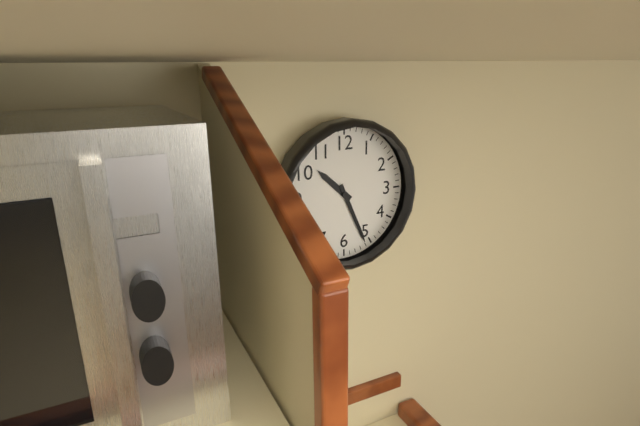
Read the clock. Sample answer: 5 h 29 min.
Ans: 10 h 26 min
